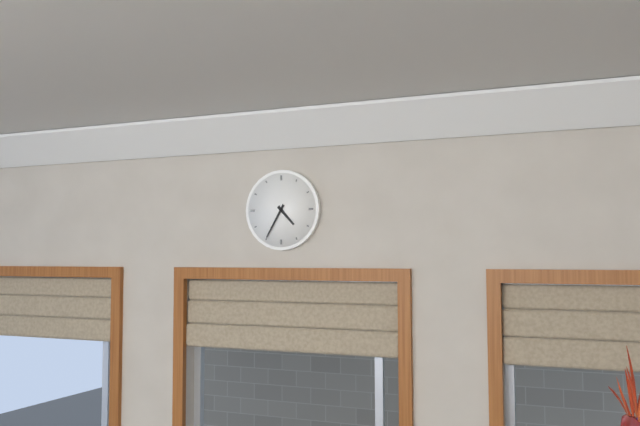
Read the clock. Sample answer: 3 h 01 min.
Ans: 4 h 35 min
